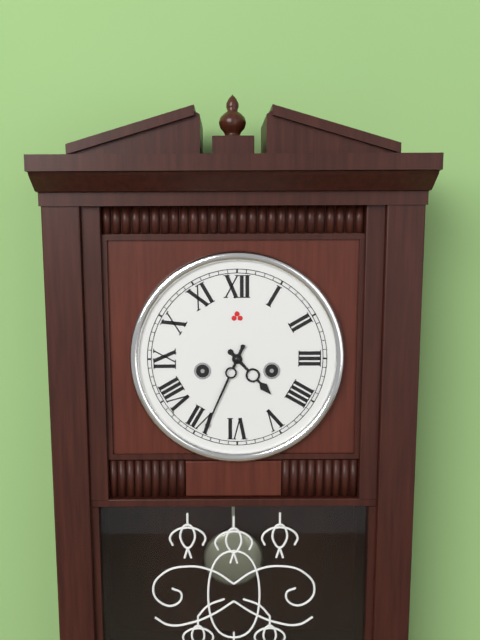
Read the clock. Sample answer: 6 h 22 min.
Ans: 4 h 34 min
